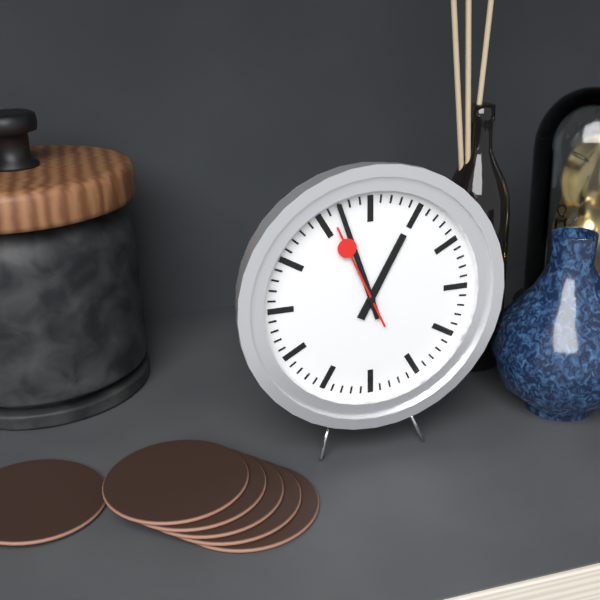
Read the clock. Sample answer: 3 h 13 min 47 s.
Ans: 12 h 57 min 56 s
